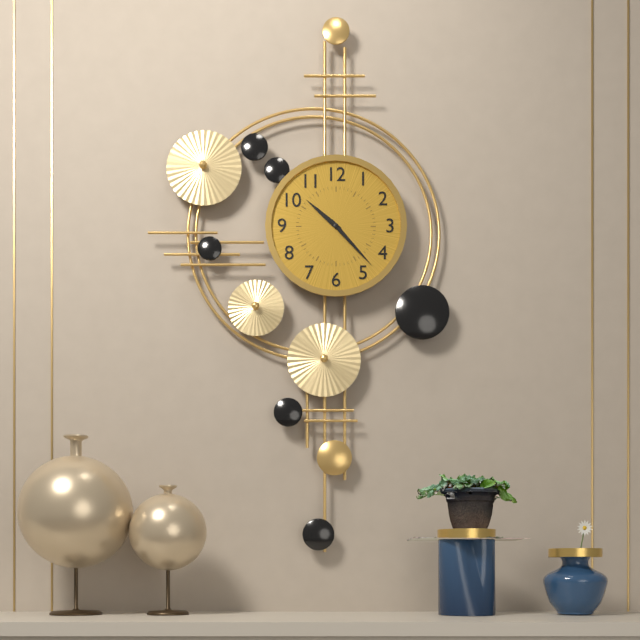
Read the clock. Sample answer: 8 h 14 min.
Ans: 10 h 23 min
